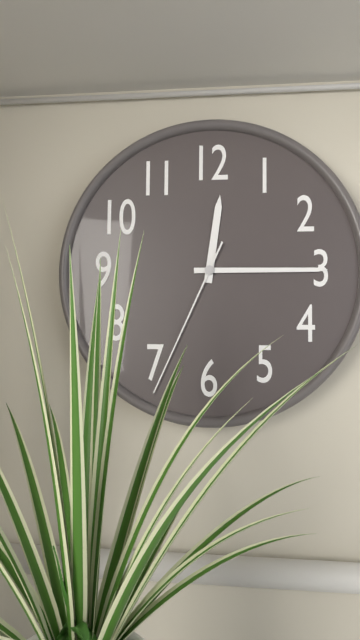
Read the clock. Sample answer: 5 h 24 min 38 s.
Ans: 12 h 15 min 34 s
